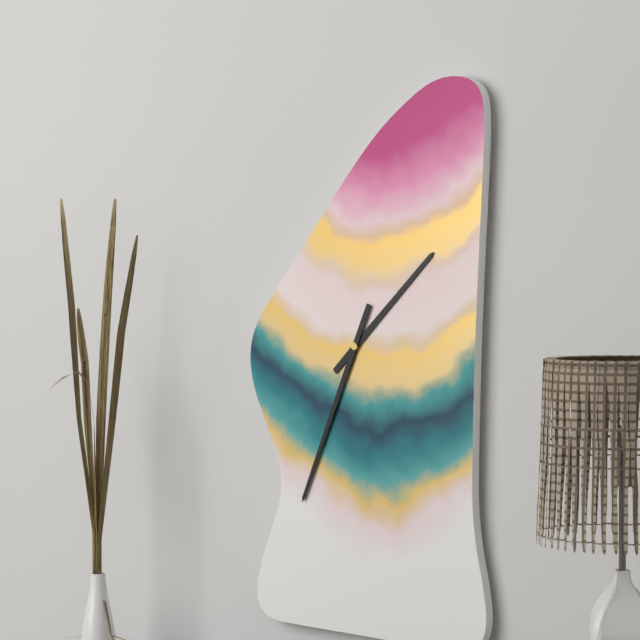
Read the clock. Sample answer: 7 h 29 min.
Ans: 1 h 34 min
